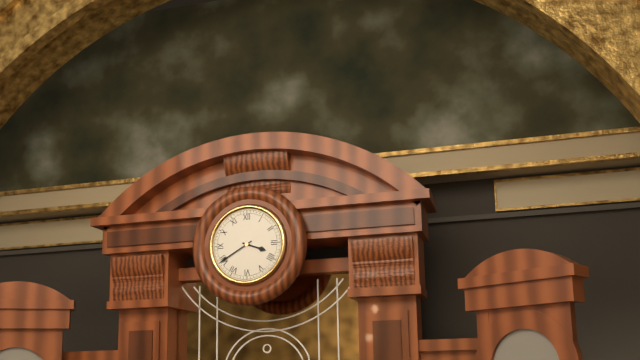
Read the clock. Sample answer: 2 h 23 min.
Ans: 3 h 40 min
